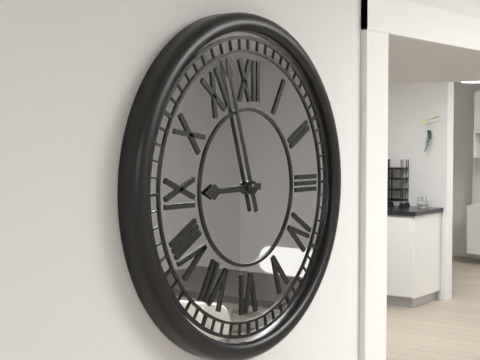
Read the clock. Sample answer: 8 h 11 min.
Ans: 8 h 57 min
